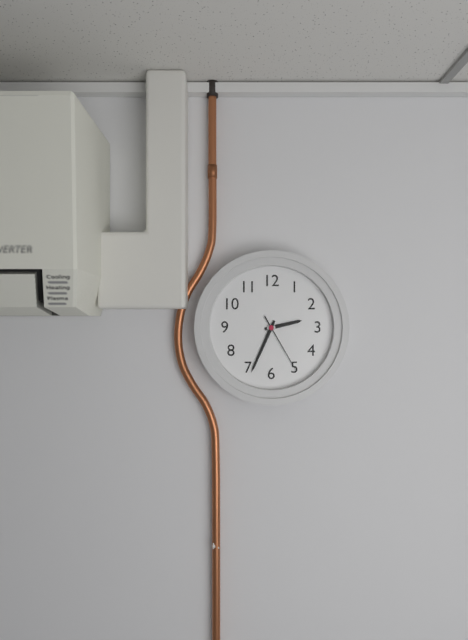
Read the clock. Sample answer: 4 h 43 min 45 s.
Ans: 2 h 34 min 25 s
